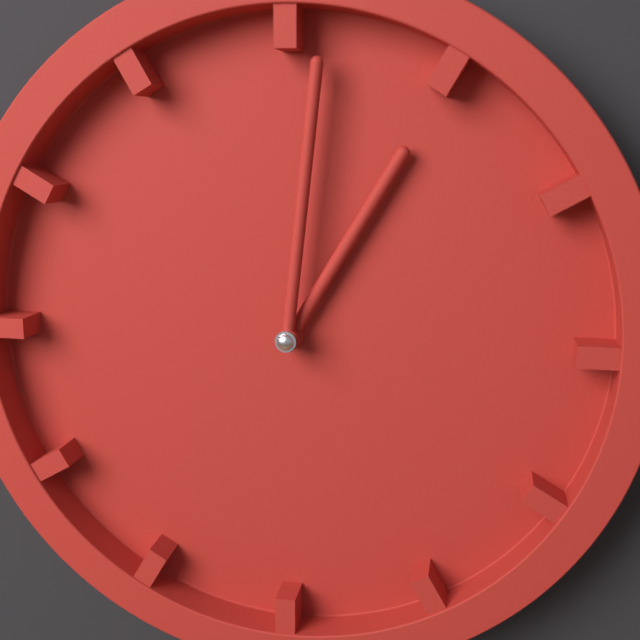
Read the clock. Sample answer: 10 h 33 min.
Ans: 1 h 01 min
